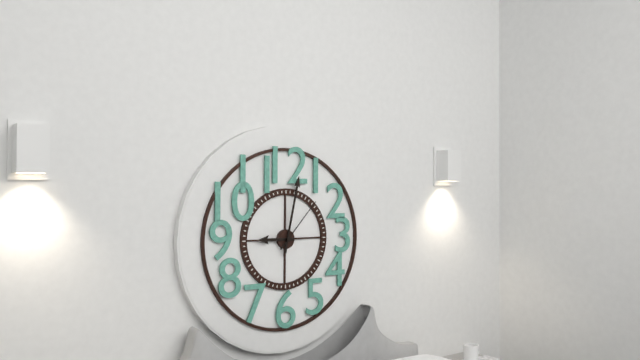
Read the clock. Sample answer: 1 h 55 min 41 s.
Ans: 9 h 02 min 07 s
